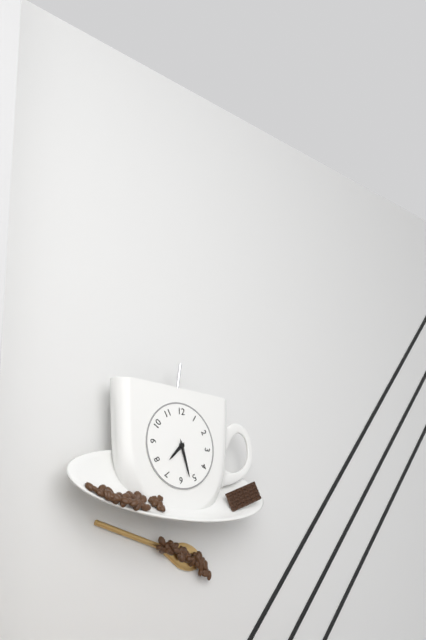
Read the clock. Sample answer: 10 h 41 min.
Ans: 7 h 27 min
